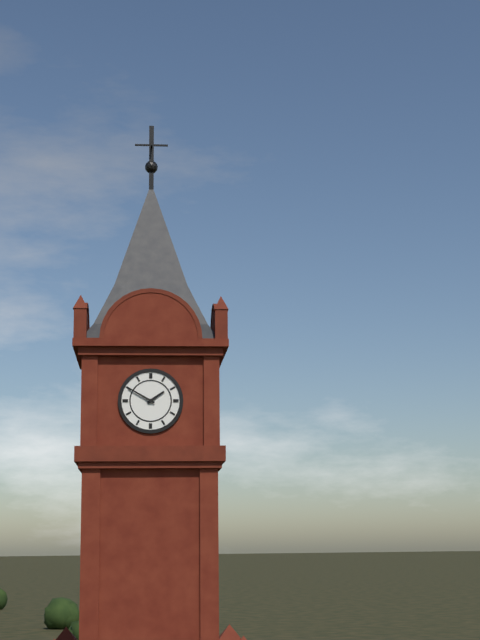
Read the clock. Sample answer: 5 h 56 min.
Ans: 1 h 50 min
